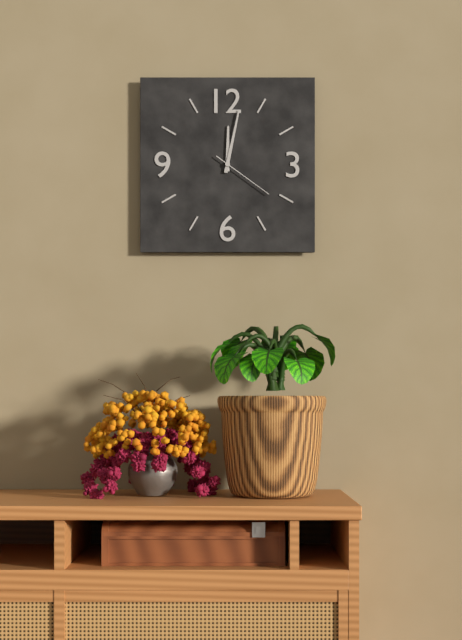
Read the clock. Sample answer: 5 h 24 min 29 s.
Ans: 12 h 02 min 21 s
